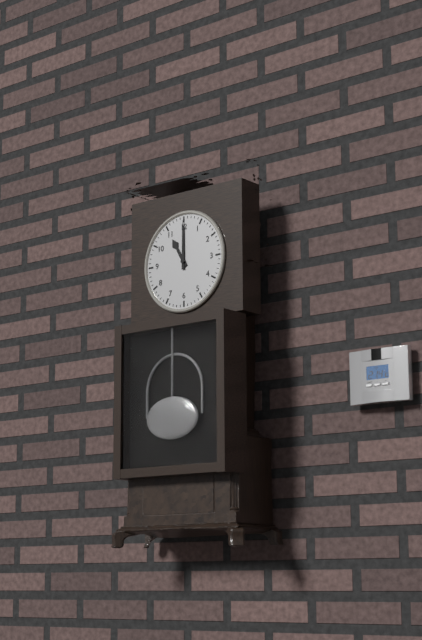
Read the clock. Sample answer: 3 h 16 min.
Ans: 11 h 00 min
